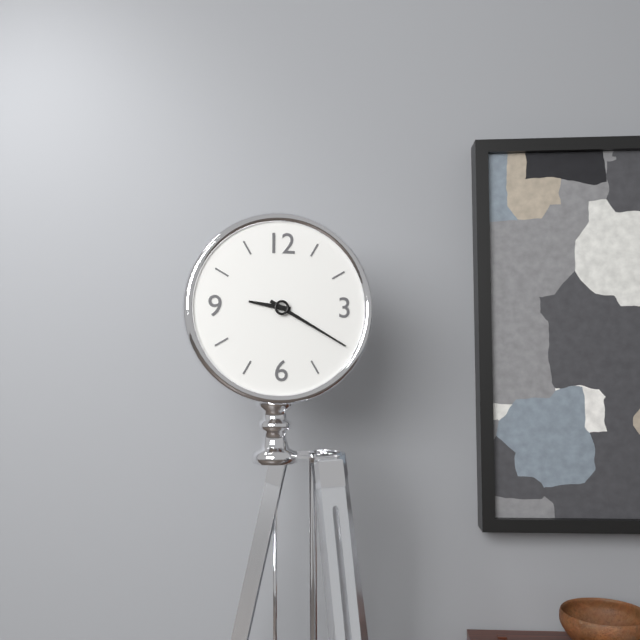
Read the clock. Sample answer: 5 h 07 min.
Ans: 9 h 20 min
